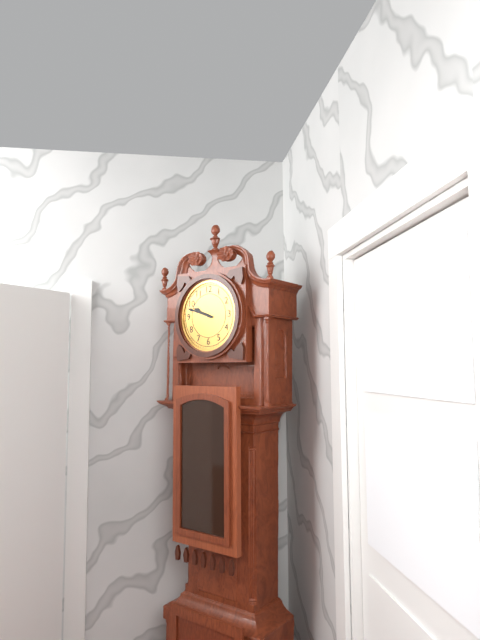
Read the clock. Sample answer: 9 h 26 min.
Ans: 9 h 48 min
